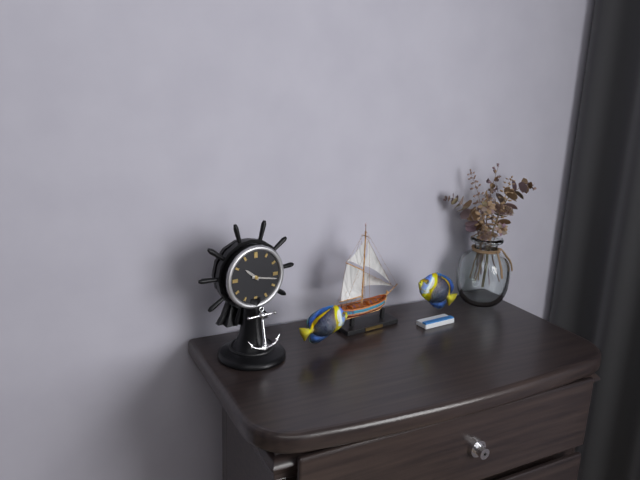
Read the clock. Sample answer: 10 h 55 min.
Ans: 10 h 17 min
